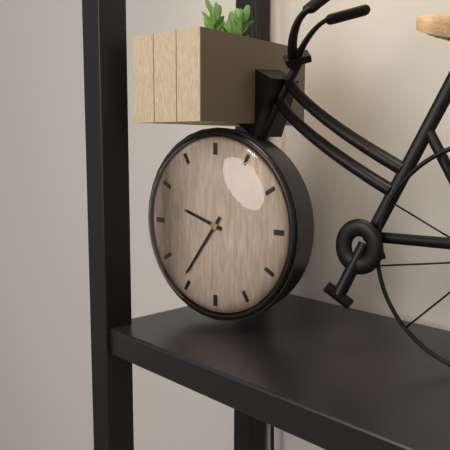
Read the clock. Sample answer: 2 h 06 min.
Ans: 9 h 36 min
